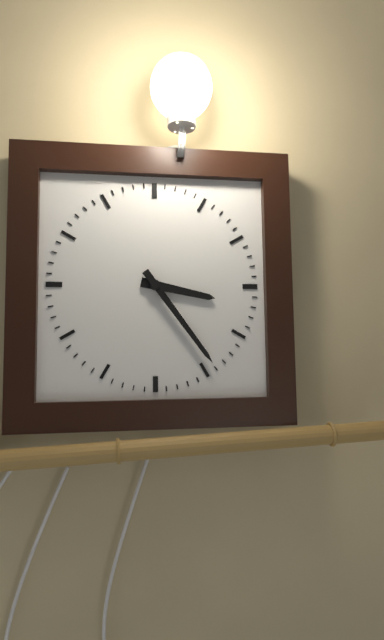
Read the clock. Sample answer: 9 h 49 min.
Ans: 3 h 24 min
